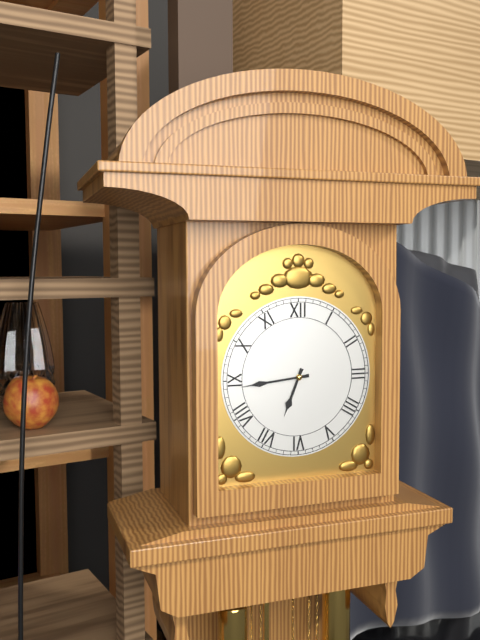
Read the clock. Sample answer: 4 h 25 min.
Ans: 6 h 44 min
